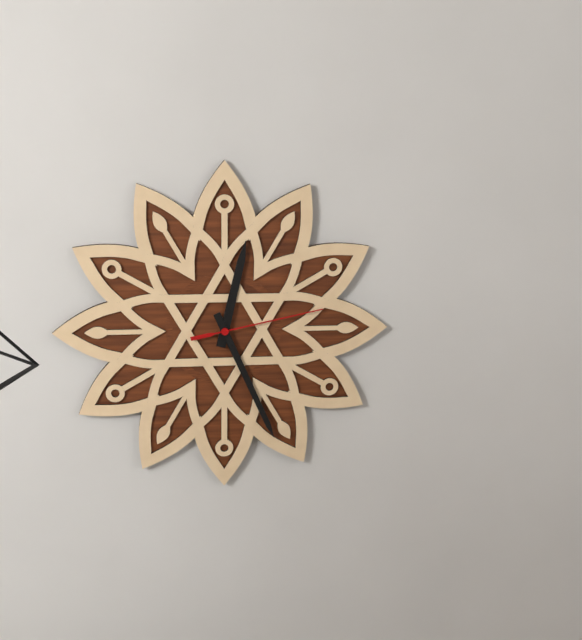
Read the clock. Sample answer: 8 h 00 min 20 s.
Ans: 12 h 26 min 13 s
